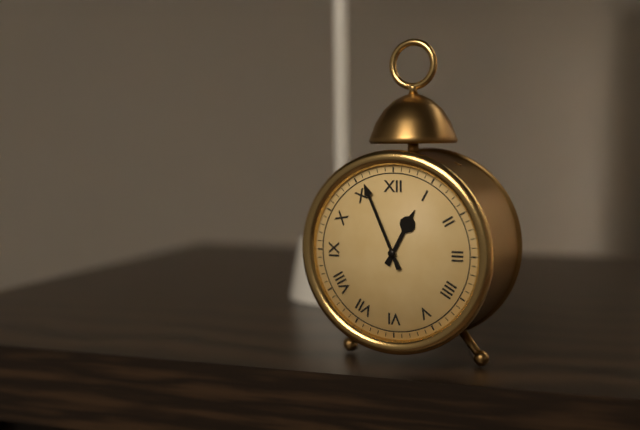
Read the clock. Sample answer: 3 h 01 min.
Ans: 12 h 56 min
